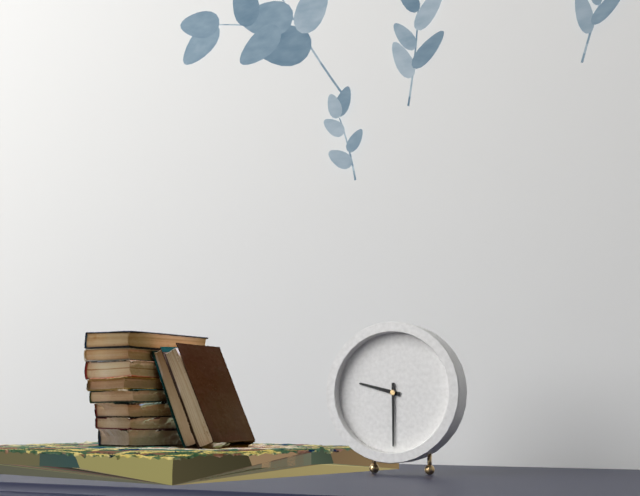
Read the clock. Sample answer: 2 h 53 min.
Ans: 9 h 30 min
